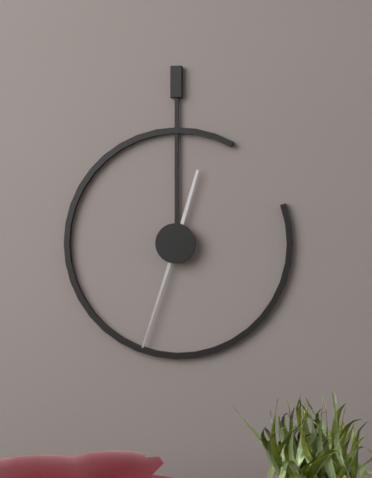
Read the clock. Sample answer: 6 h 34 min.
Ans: 12 h 33 min
